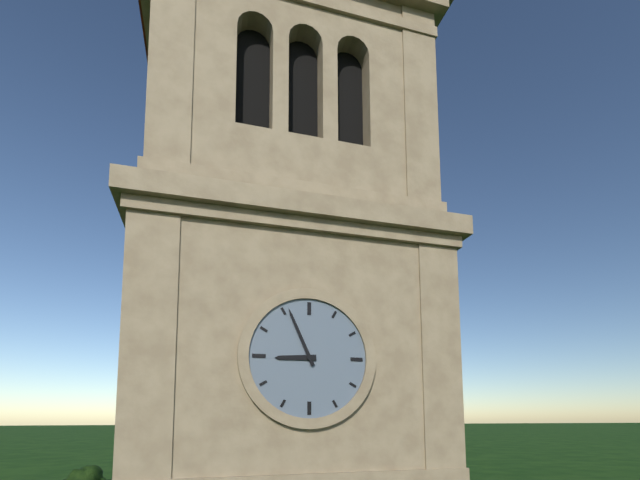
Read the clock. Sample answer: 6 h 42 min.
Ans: 8 h 56 min
